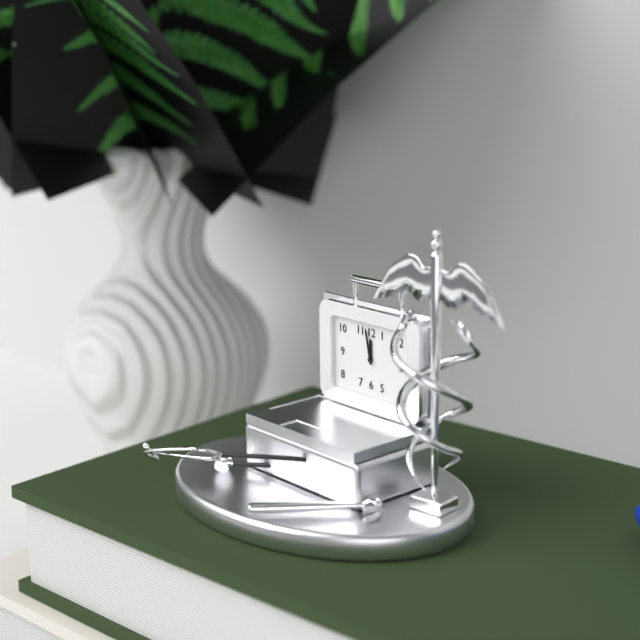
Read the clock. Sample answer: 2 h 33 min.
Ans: 11 h 58 min
